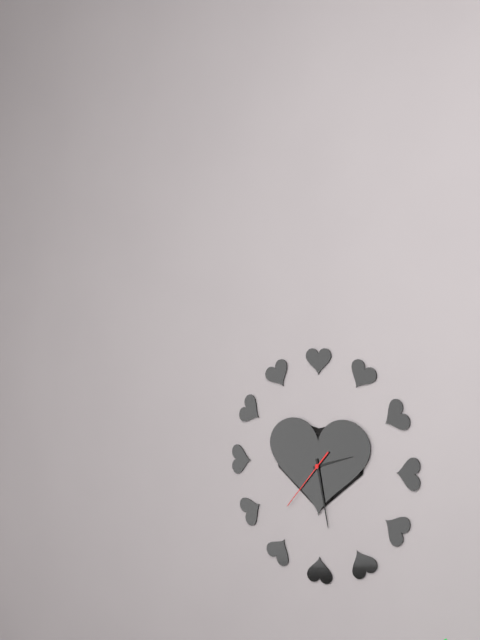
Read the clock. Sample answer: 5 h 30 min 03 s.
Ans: 2 h 28 min 37 s
